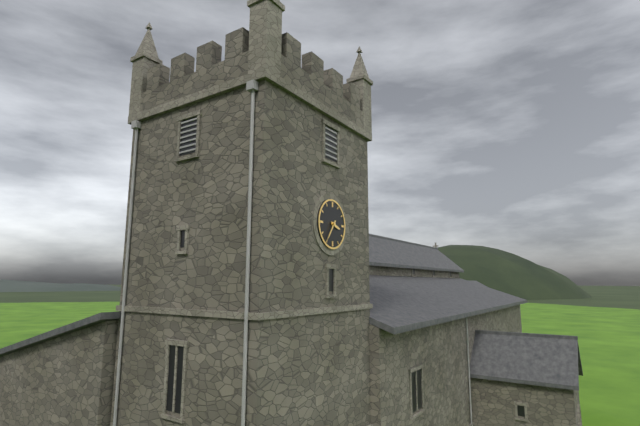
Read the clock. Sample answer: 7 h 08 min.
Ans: 3 h 36 min
